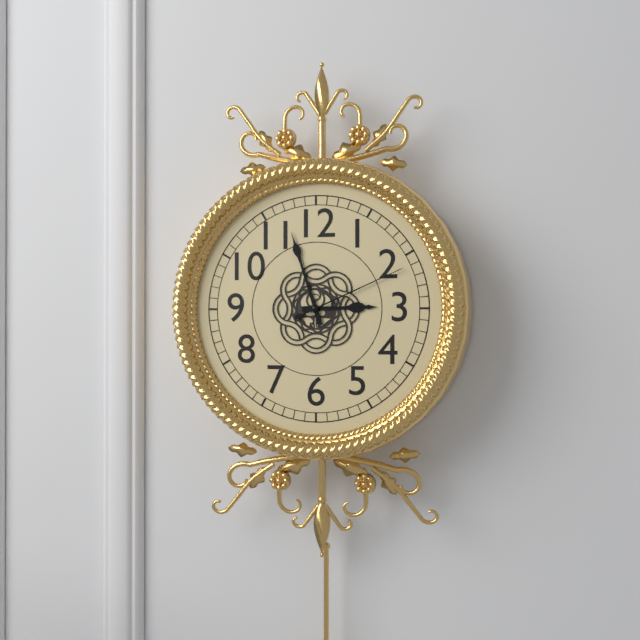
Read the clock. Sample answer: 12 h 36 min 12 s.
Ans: 2 h 57 min 11 s
